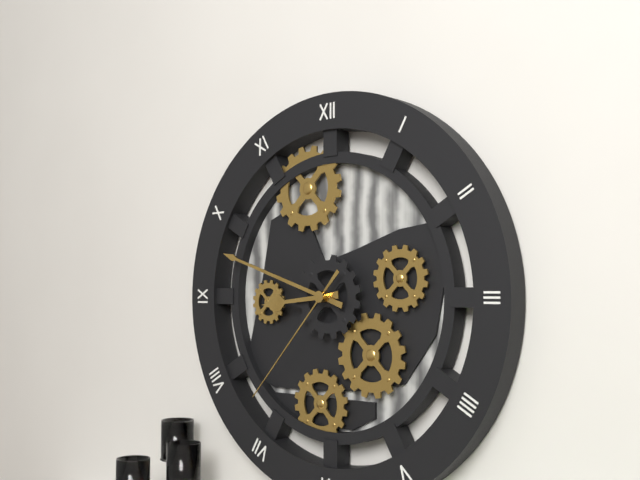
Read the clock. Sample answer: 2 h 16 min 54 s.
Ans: 8 h 48 min 37 s
